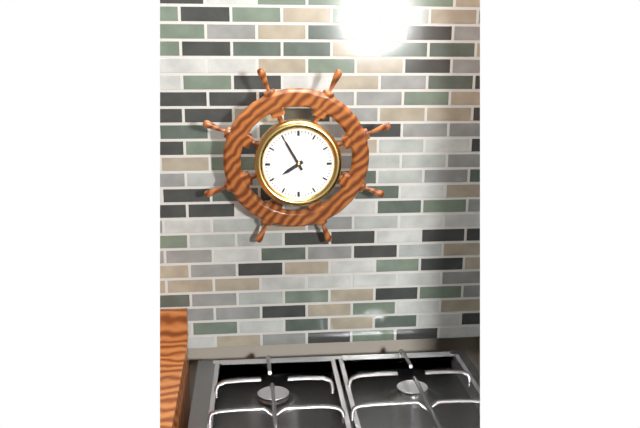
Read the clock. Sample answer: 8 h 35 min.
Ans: 7 h 55 min
